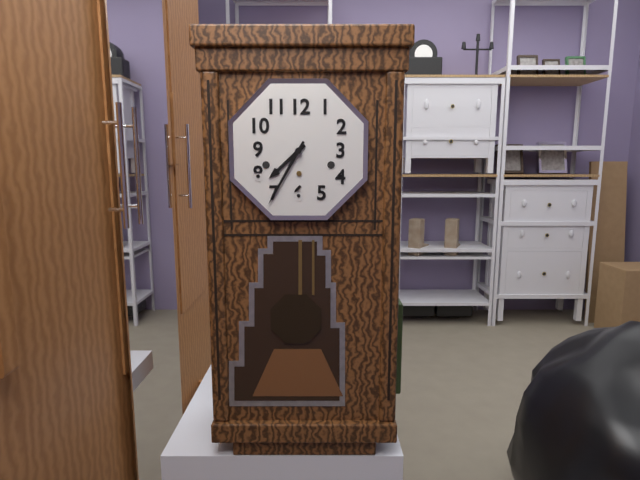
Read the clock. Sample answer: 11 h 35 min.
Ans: 7 h 35 min
